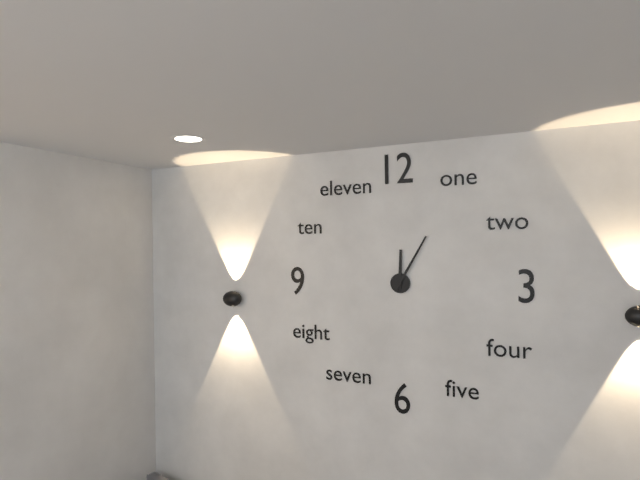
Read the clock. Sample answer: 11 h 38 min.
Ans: 12 h 05 min
